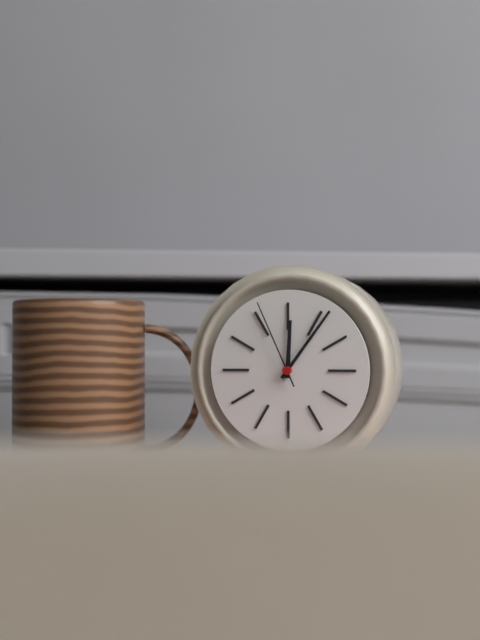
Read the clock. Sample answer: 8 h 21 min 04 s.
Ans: 12 h 06 min 56 s
